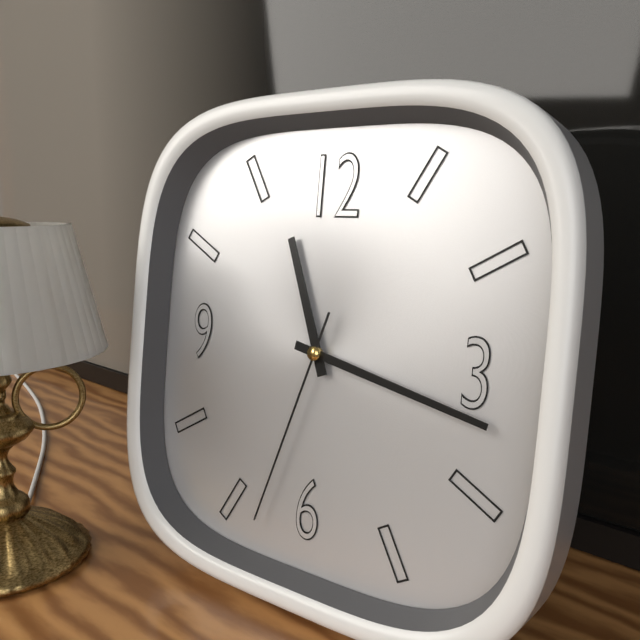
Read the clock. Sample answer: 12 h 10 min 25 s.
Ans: 11 h 17 min 33 s
